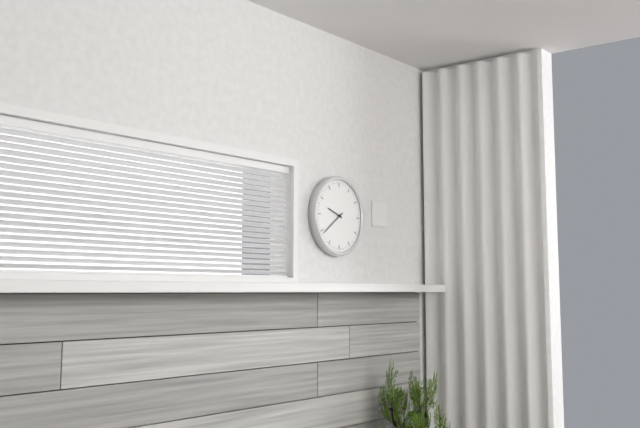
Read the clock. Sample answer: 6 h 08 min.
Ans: 9 h 39 min
